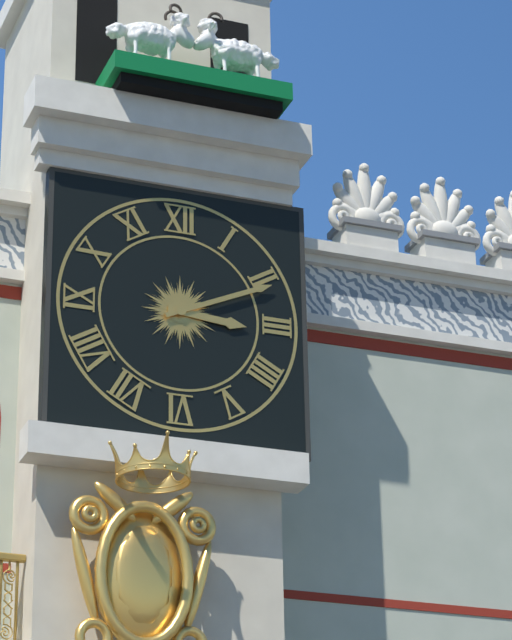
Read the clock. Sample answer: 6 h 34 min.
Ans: 3 h 11 min
